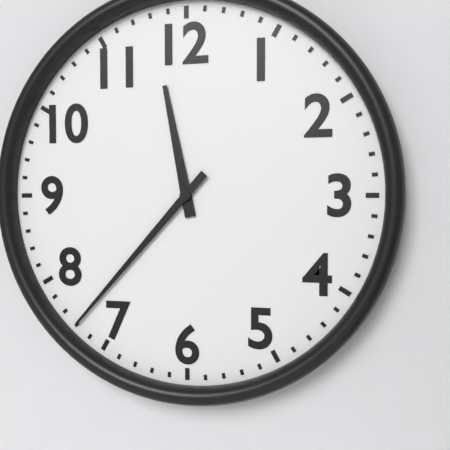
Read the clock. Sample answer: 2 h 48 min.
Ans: 11 h 37 min
